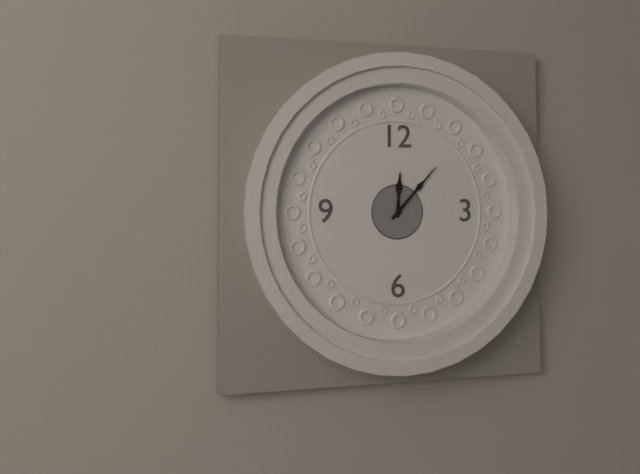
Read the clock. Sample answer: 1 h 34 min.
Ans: 12 h 07 min
